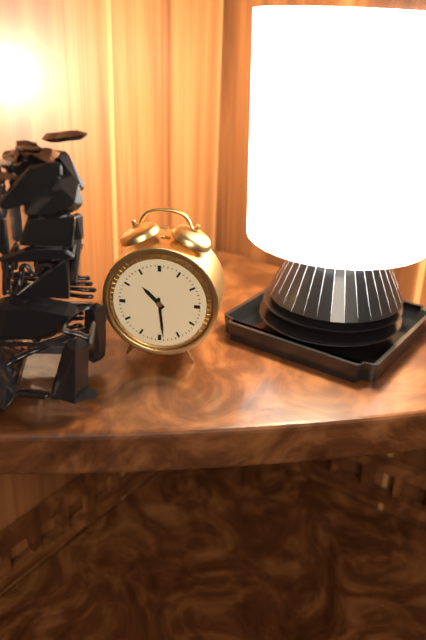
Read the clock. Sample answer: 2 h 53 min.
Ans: 10 h 29 min
